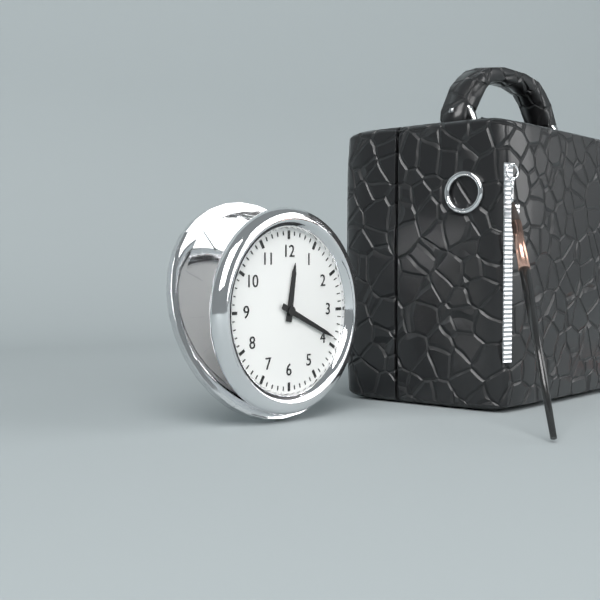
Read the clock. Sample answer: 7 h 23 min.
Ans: 12 h 19 min
